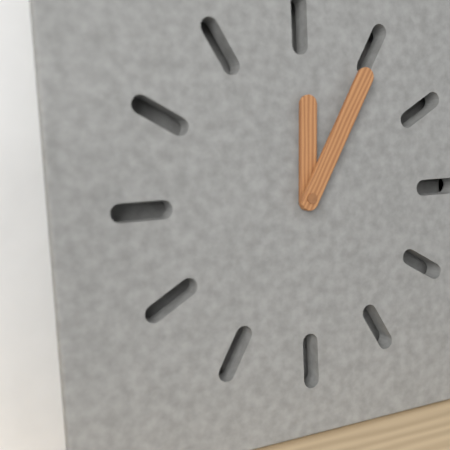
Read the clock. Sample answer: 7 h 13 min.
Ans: 12 h 05 min
